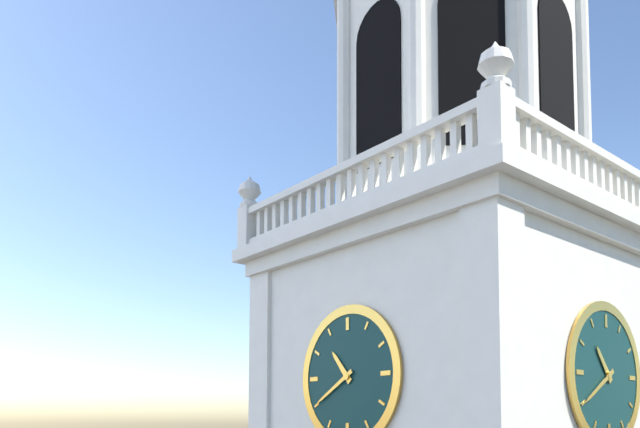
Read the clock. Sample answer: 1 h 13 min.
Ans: 10 h 40 min
